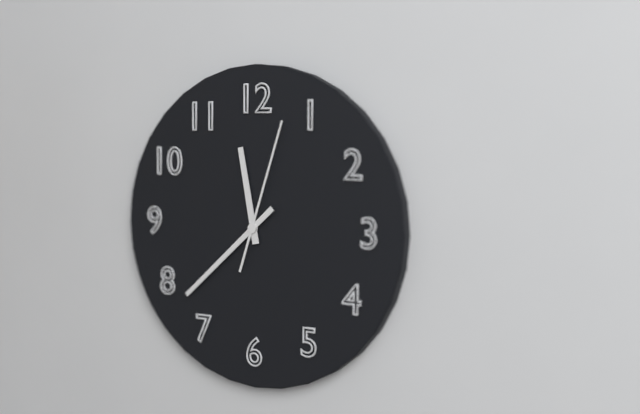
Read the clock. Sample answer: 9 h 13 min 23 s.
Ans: 11 h 38 min 03 s
